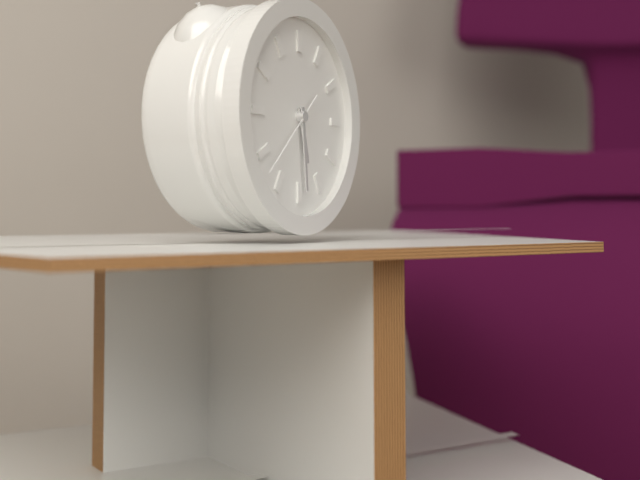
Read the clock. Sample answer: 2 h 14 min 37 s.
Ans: 5 h 29 min 38 s
